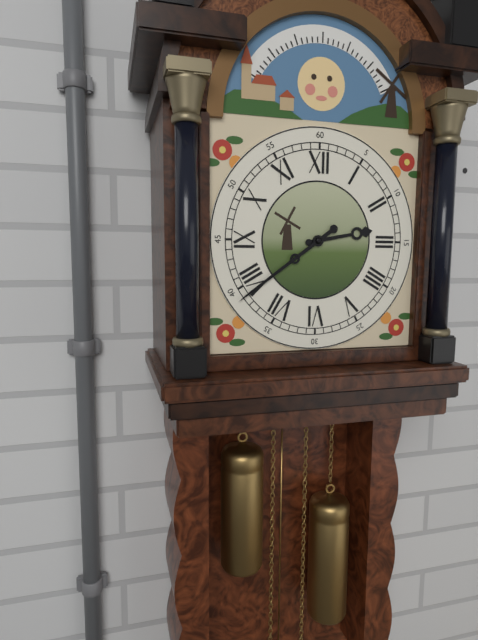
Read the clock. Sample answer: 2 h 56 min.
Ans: 2 h 39 min
